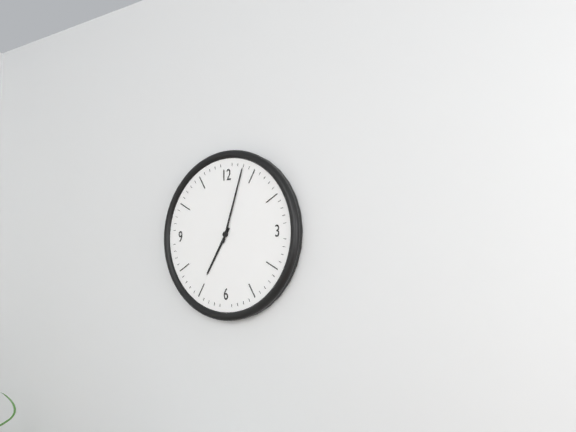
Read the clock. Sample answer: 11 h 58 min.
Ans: 7 h 03 min
